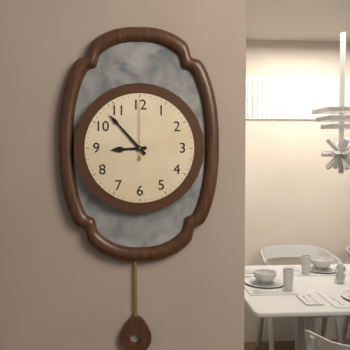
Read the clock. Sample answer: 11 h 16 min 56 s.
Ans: 8 h 53 min 00 s
